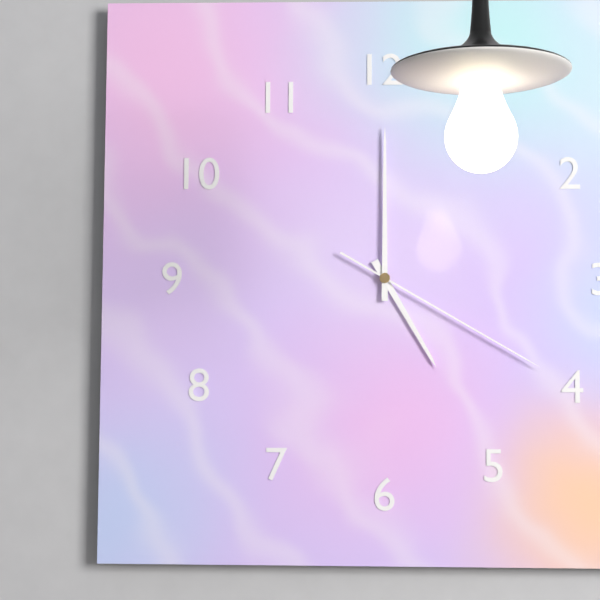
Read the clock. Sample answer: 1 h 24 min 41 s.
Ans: 5 h 00 min 20 s
